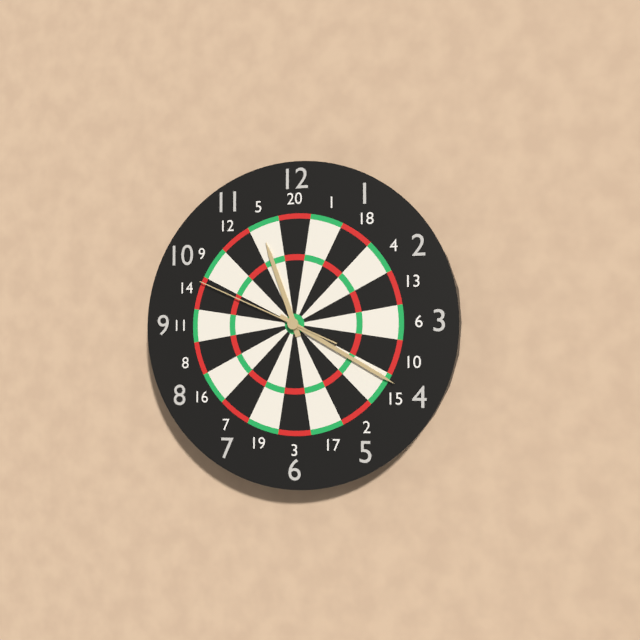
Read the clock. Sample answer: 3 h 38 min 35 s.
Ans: 11 h 20 min 49 s
